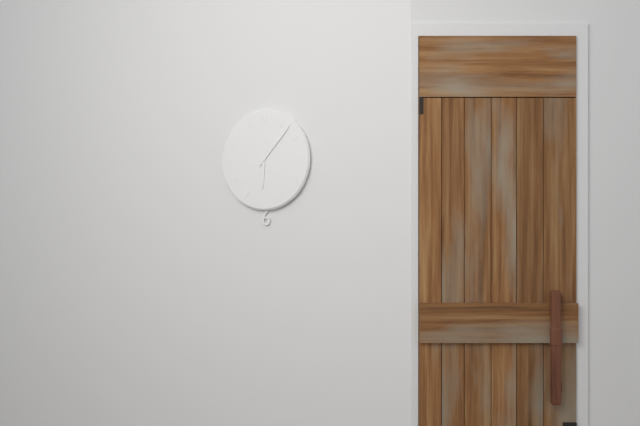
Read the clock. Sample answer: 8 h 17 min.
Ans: 6 h 07 min
